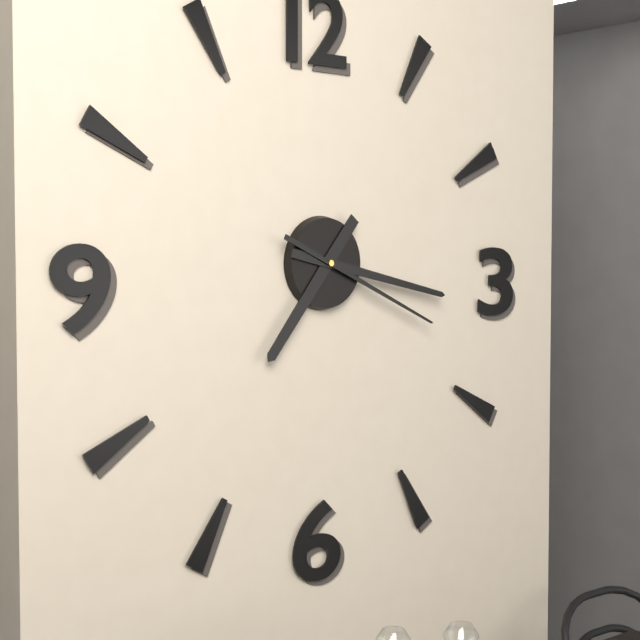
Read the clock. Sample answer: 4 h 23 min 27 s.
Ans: 7 h 17 min 19 s
